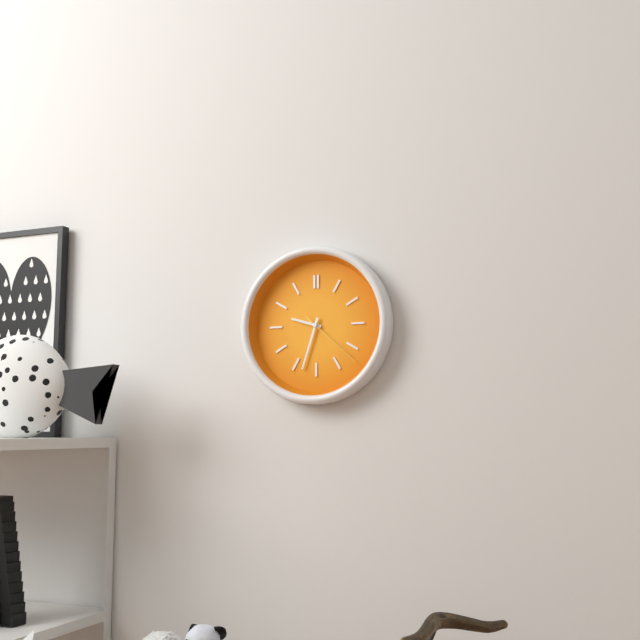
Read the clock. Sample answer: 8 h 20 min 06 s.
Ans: 9 h 33 min 22 s
